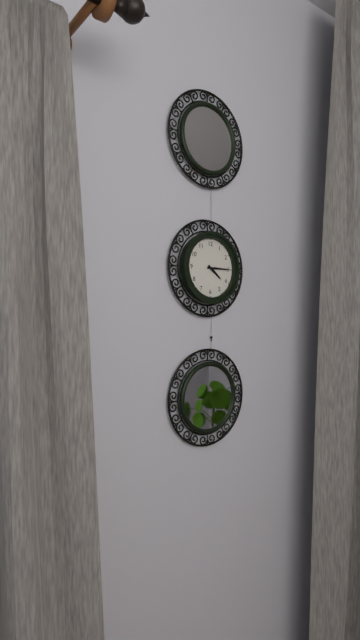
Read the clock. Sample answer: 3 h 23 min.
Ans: 4 h 15 min
